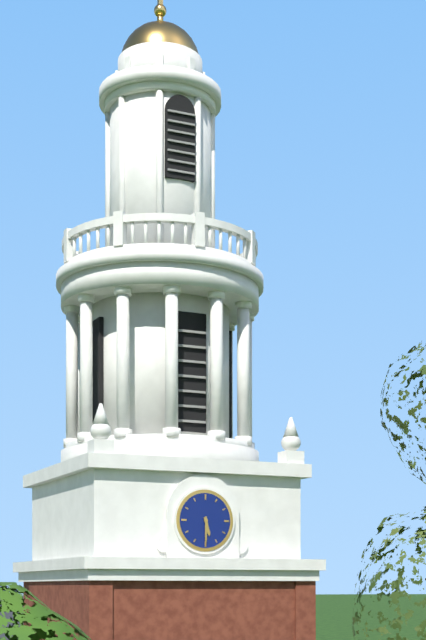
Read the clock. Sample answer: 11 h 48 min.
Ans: 5 h 30 min
